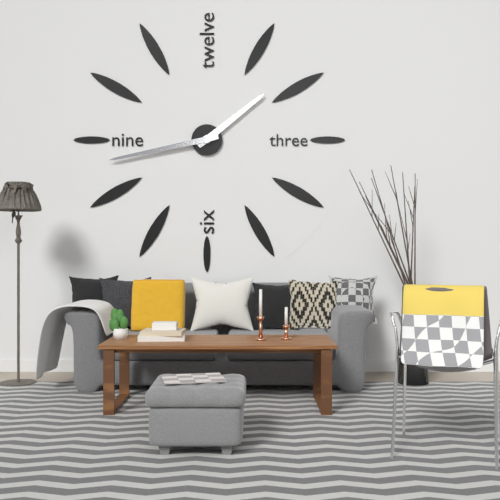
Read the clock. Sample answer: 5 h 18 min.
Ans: 1 h 43 min
